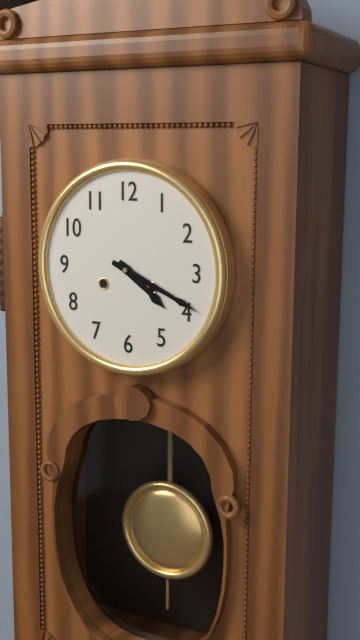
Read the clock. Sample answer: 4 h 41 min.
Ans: 4 h 19 min
